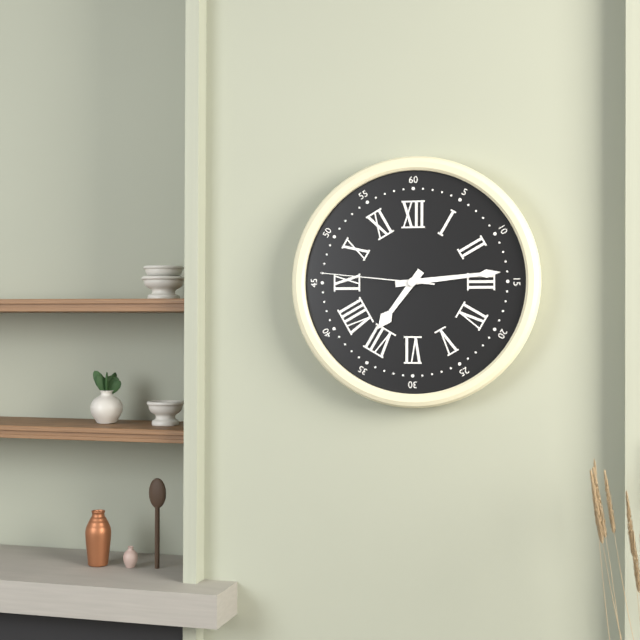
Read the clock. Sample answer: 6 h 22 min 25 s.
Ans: 7 h 14 min 46 s
